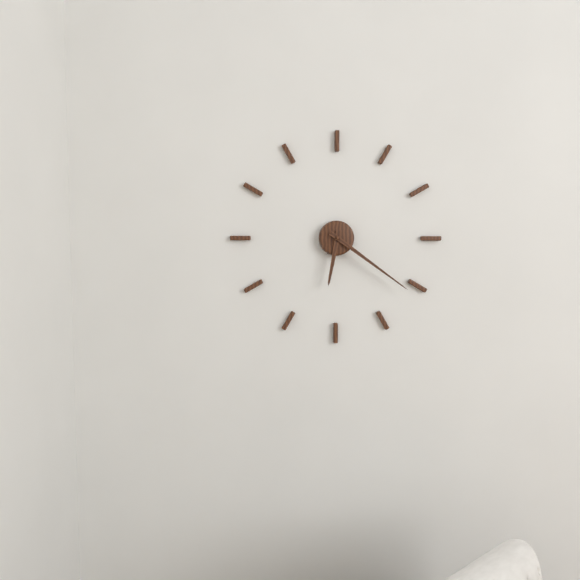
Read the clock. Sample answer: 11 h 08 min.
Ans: 6 h 21 min
